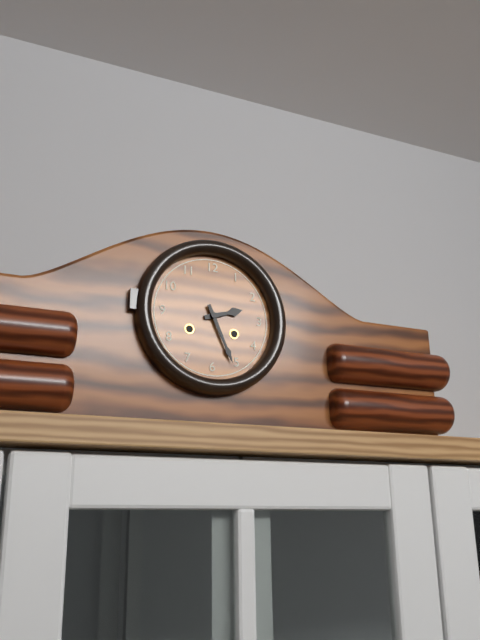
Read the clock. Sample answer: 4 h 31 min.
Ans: 2 h 26 min
